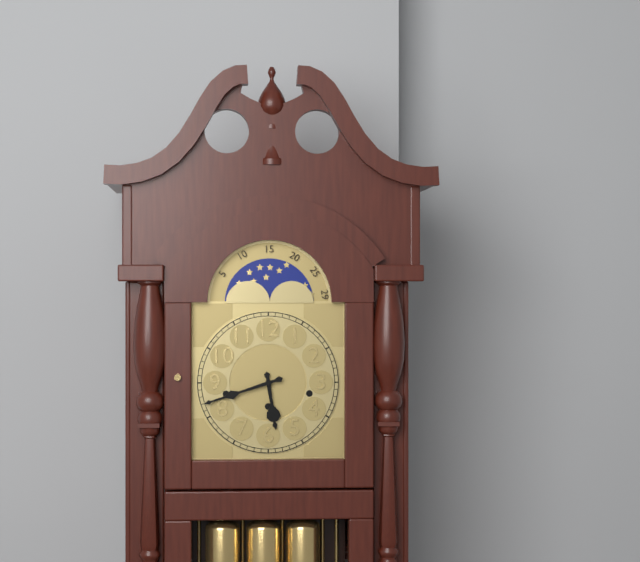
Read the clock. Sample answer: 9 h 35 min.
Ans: 5 h 42 min
